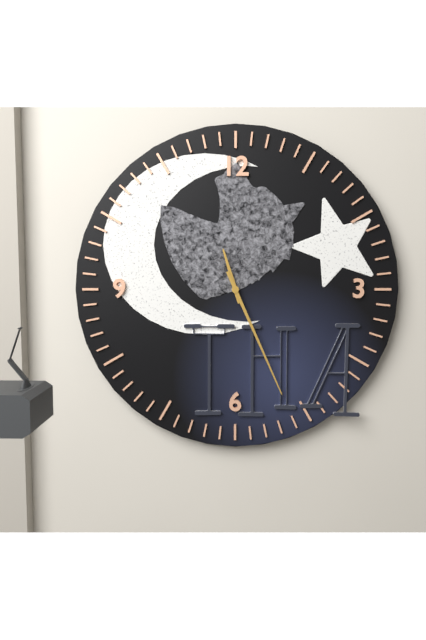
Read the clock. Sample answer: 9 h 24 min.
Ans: 11 h 26 min
